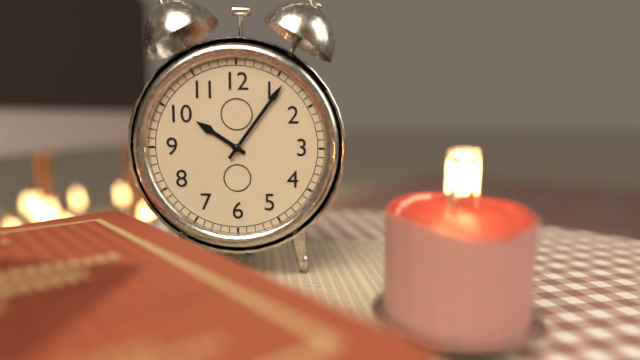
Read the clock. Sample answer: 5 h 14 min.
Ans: 10 h 06 min
